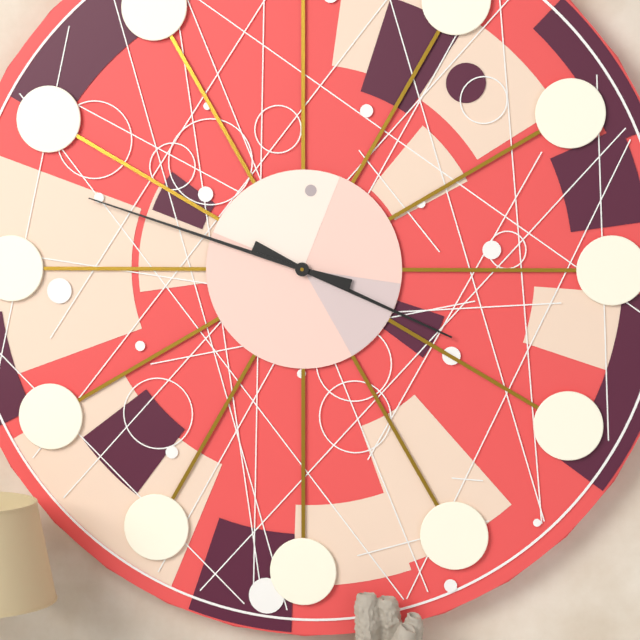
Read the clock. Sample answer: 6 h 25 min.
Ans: 3 h 48 min
